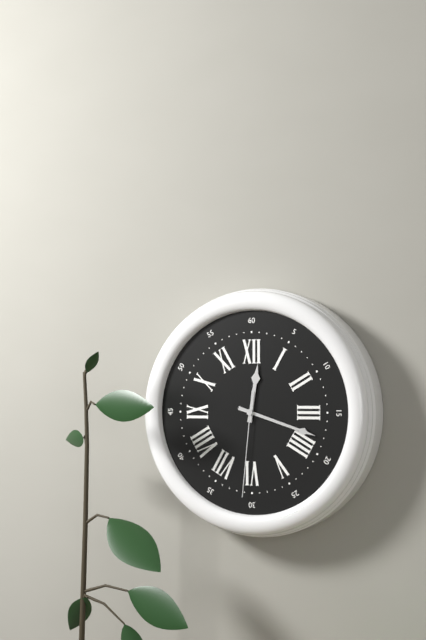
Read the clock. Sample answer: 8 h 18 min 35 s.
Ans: 12 h 18 min 31 s
